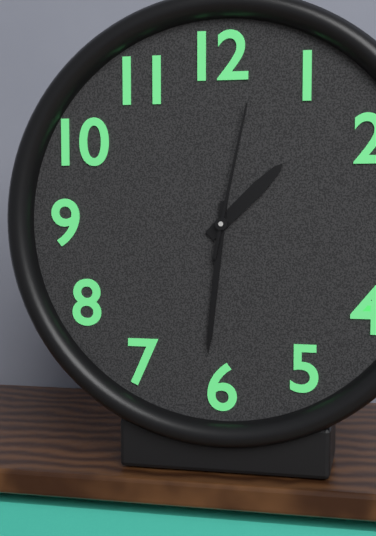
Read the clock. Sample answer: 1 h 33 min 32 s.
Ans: 1 h 31 min 02 s
